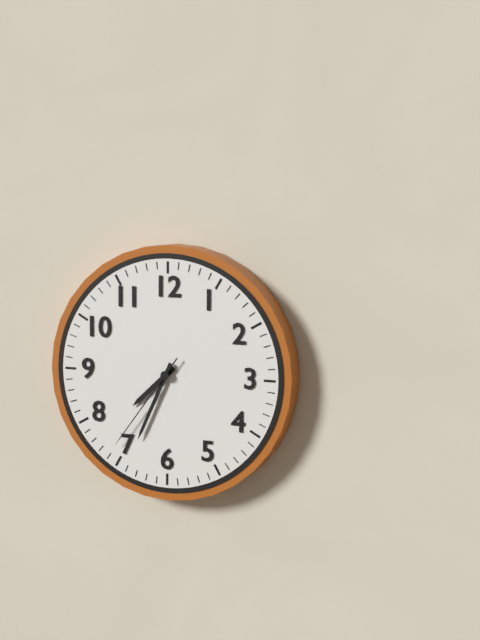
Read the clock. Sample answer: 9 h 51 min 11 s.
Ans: 7 h 34 min 36 s
